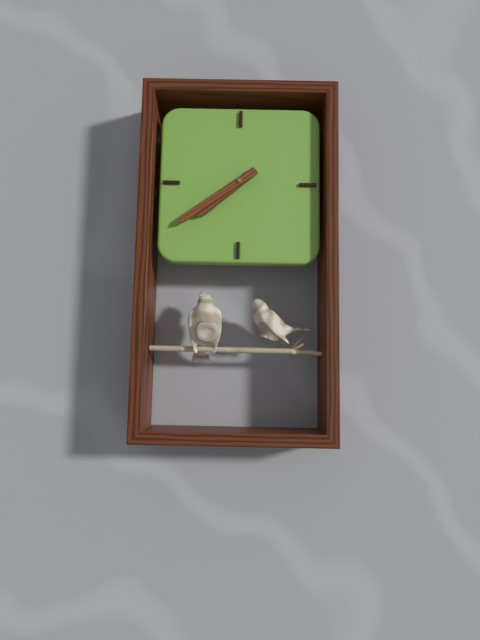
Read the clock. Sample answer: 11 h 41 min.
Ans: 7 h 39 min
